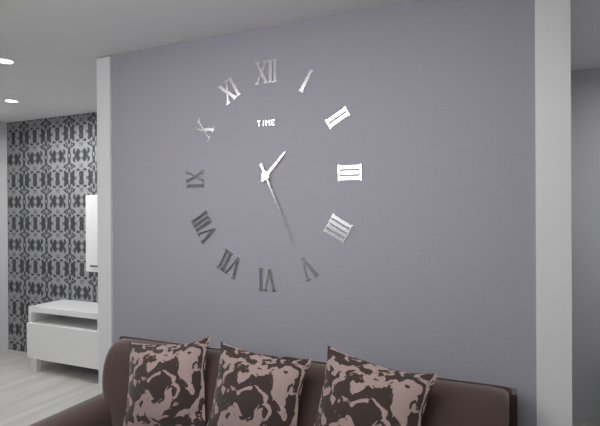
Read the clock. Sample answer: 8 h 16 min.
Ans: 1 h 26 min
